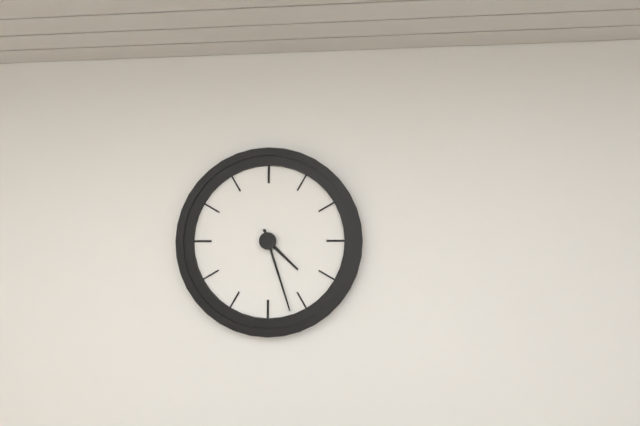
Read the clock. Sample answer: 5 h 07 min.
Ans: 4 h 27 min
